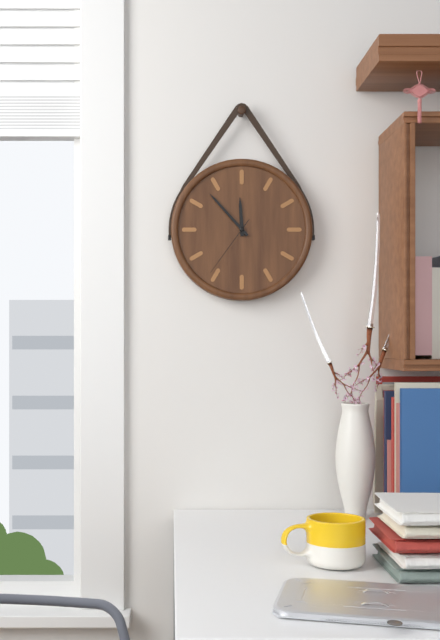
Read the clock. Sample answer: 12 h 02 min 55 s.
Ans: 11 h 53 min 36 s
